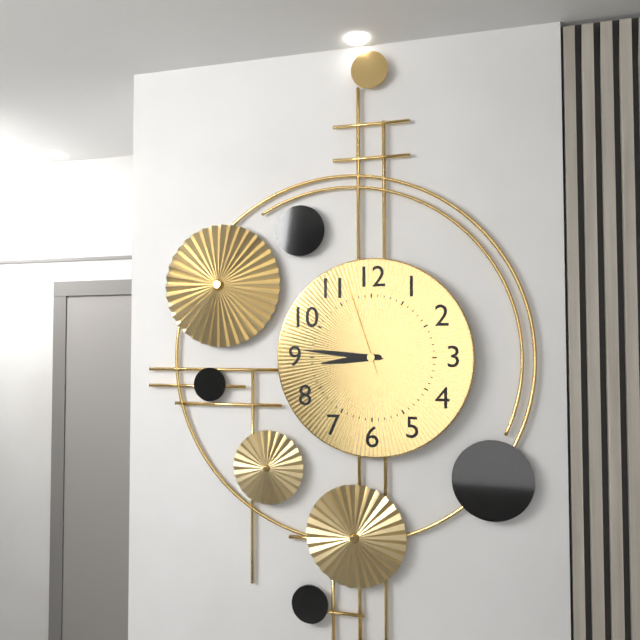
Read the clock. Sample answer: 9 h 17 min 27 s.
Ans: 8 h 46 min 57 s
